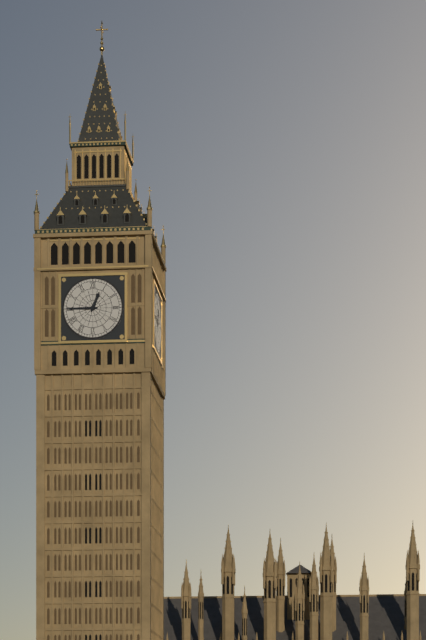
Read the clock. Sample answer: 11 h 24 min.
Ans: 12 h 45 min
